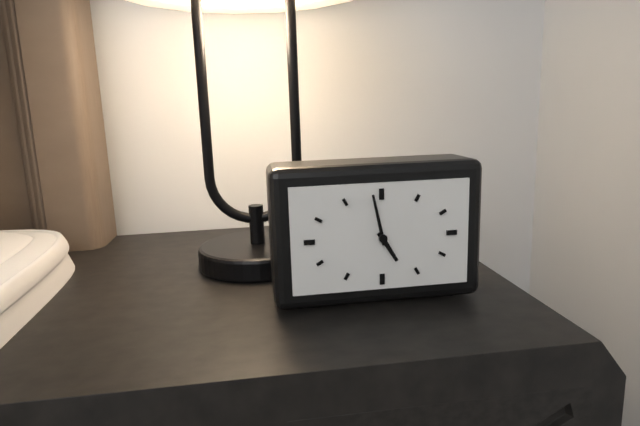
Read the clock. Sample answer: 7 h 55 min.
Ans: 4 h 58 min
